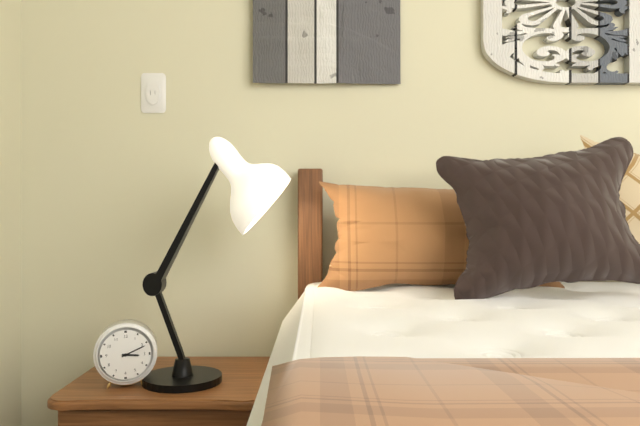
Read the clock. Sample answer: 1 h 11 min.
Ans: 3 h 11 min
